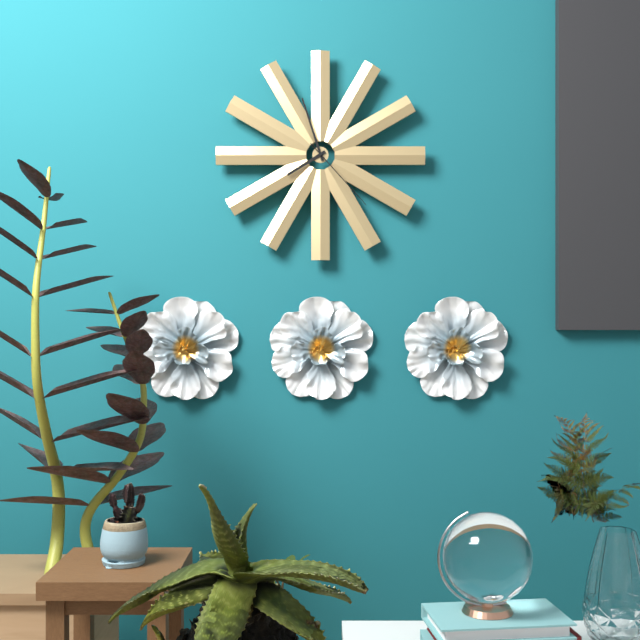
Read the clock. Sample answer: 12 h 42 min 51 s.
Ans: 7 h 57 min 23 s
